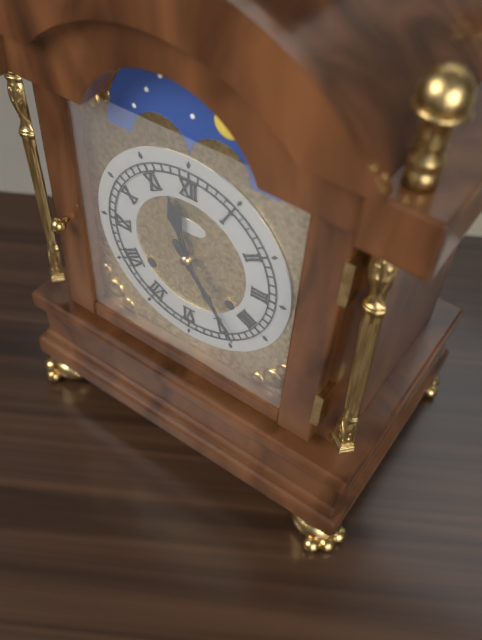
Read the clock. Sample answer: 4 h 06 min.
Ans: 11 h 24 min
